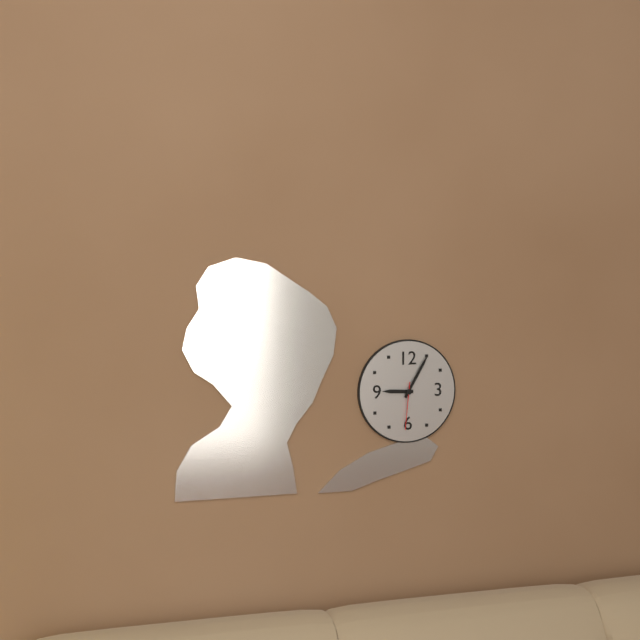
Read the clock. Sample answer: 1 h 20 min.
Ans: 9 h 05 min
